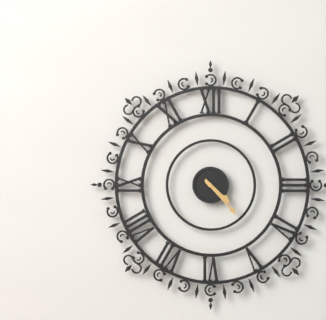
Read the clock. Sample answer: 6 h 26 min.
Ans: 4 h 23 min
